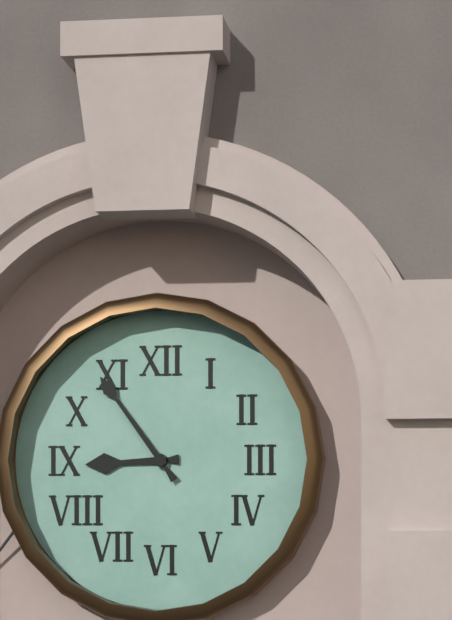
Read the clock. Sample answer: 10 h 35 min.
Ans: 8 h 54 min
